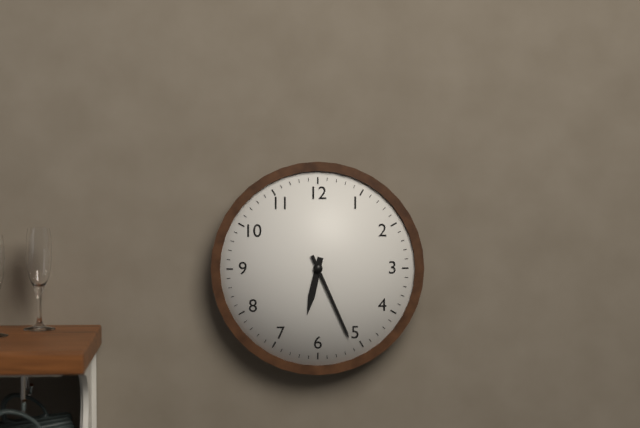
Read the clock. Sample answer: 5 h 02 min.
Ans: 6 h 26 min
